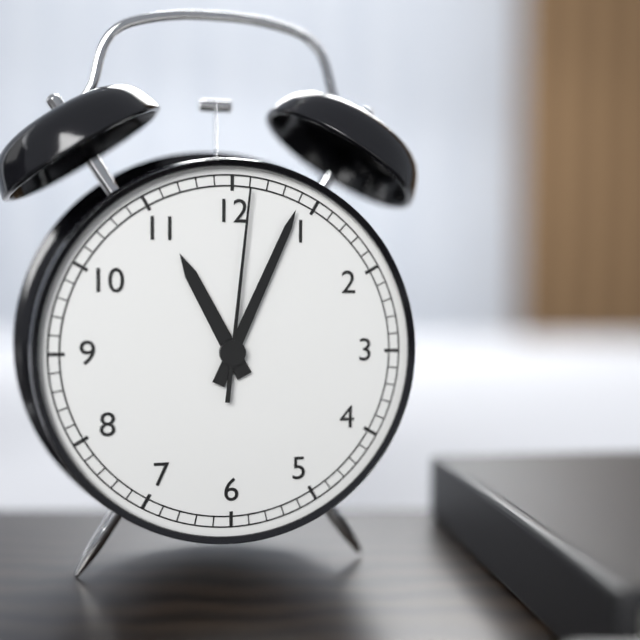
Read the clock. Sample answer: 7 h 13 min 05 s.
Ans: 11 h 04 min 01 s
